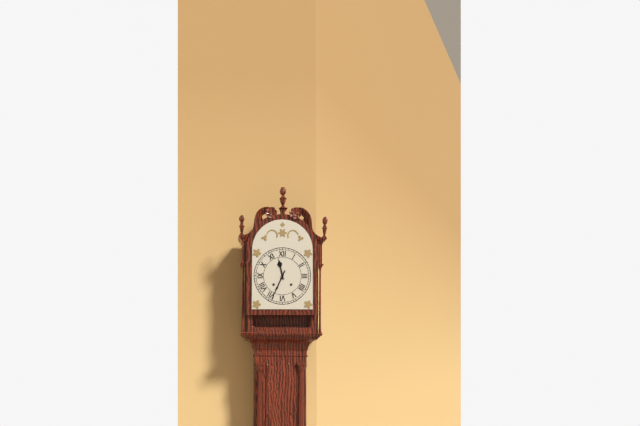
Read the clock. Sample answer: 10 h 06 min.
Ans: 11 h 34 min
